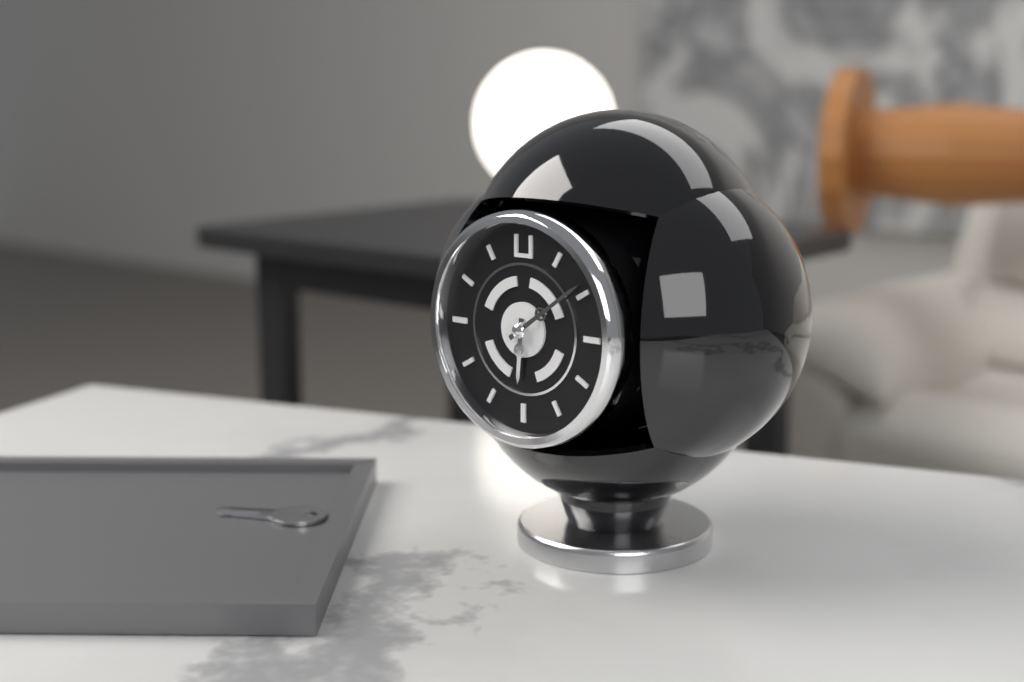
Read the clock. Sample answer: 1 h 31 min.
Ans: 6 h 09 min
